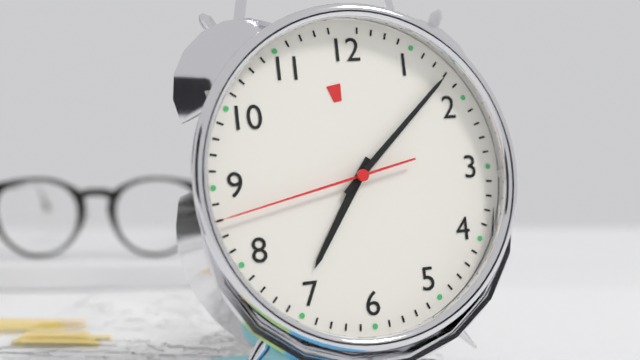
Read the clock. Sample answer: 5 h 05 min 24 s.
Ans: 7 h 08 min 43 s
